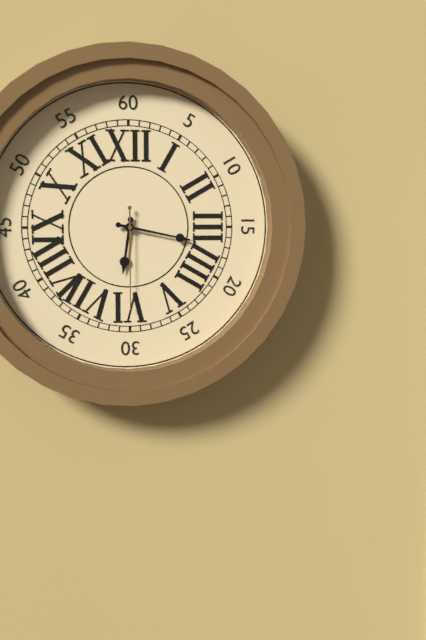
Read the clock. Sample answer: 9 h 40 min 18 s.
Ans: 6 h 17 min 30 s
